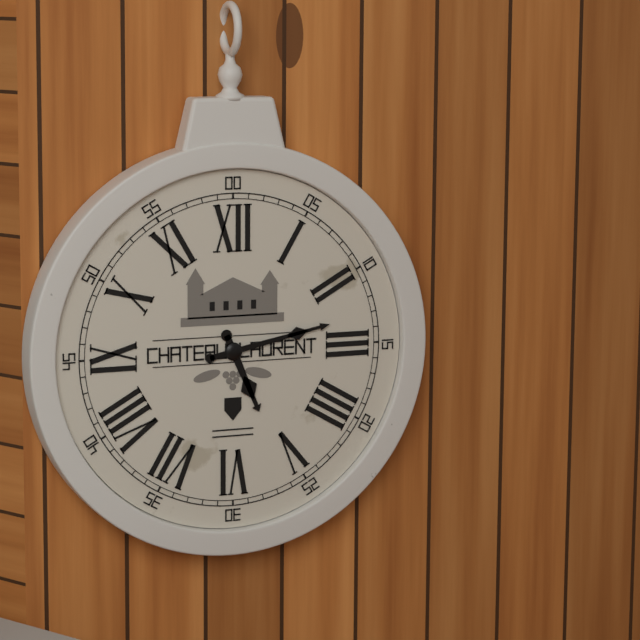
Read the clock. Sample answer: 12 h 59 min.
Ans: 5 h 13 min
